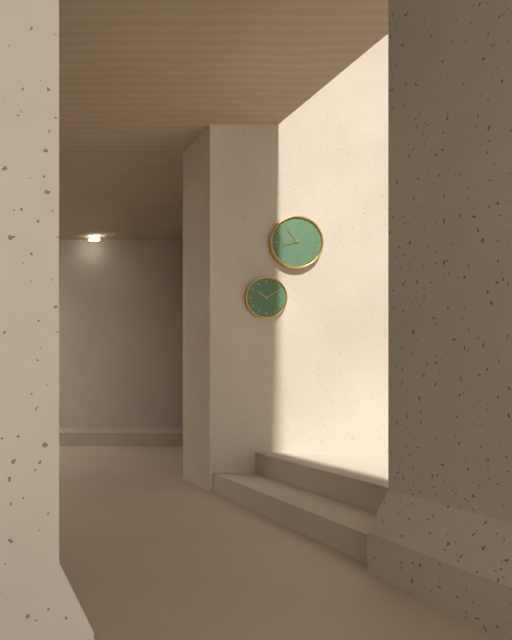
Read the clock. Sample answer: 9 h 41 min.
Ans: 10 h 43 min
